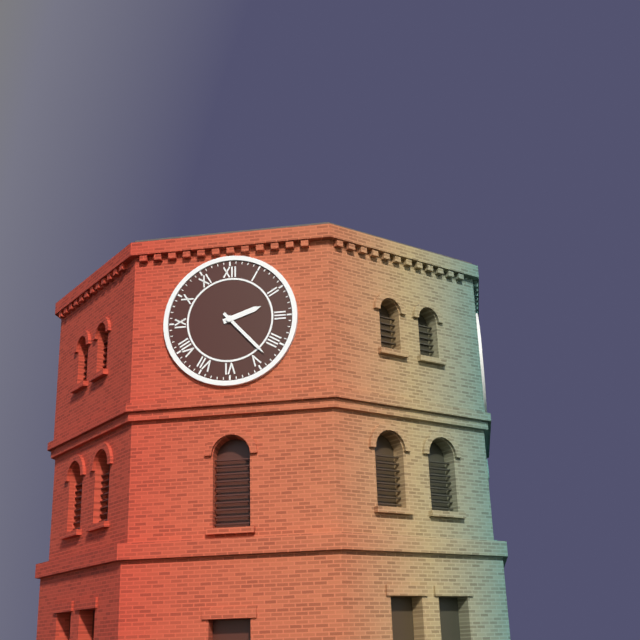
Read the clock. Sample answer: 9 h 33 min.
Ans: 2 h 23 min
